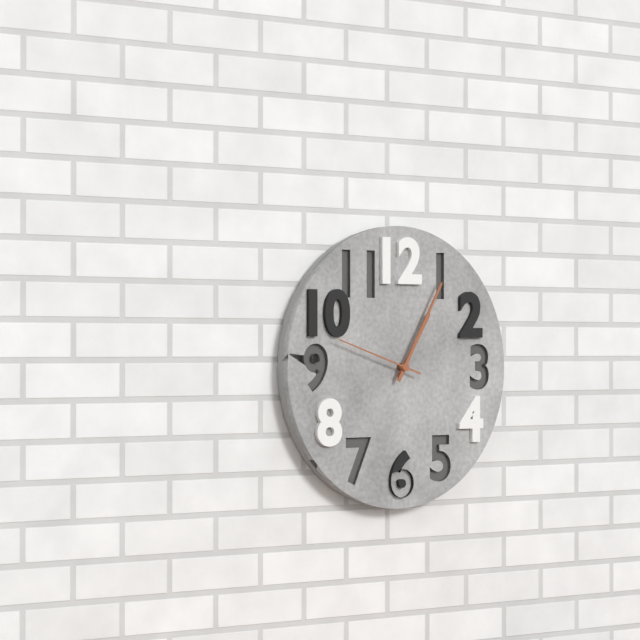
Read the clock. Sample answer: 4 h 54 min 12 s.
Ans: 1 h 05 min 48 s
